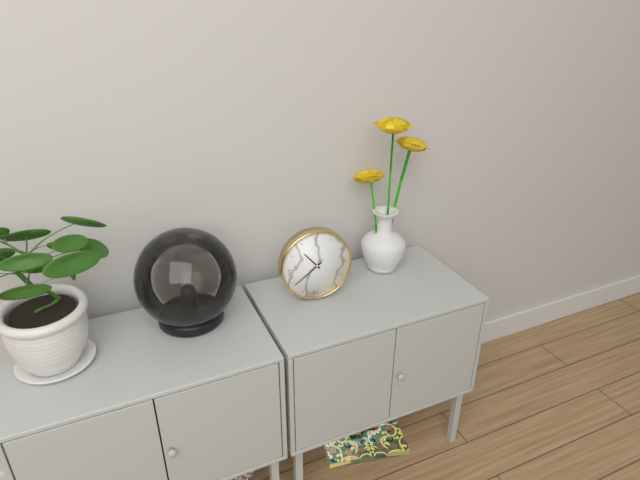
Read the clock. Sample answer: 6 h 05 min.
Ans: 10 h 39 min
